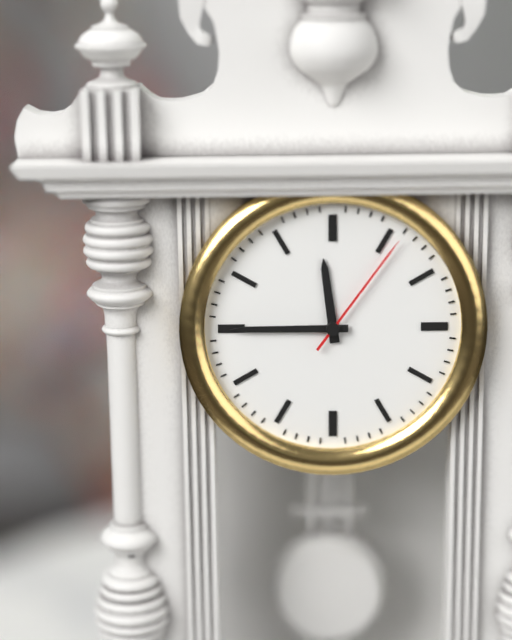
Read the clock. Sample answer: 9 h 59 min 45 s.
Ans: 11 h 45 min 06 s
